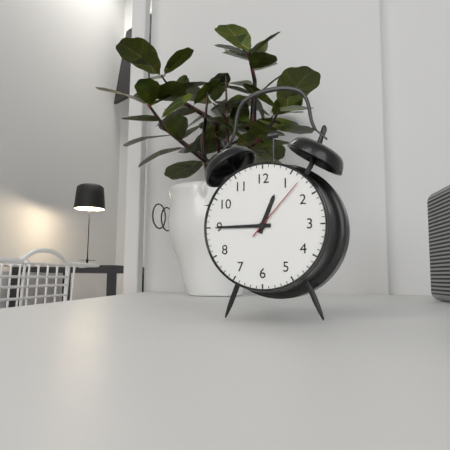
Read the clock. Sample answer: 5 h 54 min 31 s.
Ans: 12 h 45 min 07 s
